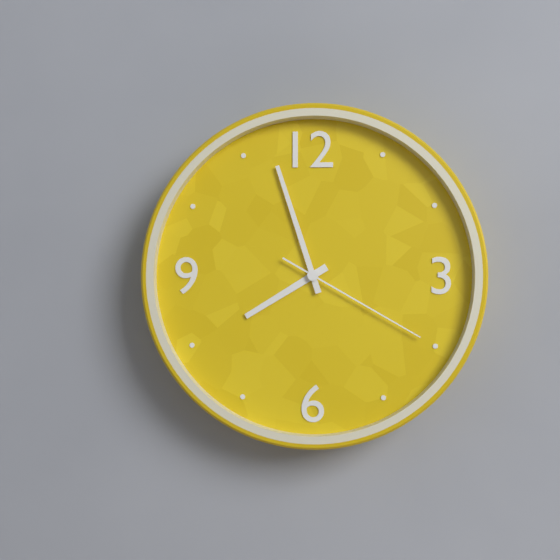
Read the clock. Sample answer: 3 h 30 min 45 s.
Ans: 7 h 57 min 20 s
